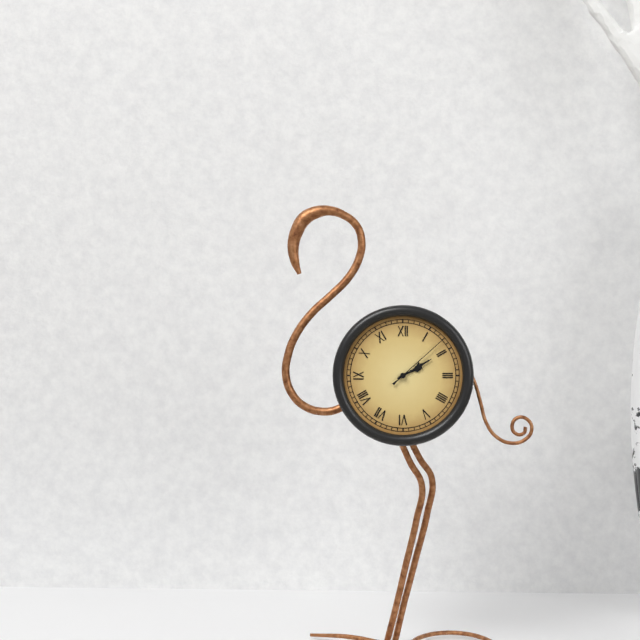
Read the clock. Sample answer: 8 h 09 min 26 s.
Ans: 2 h 10 min 08 s
